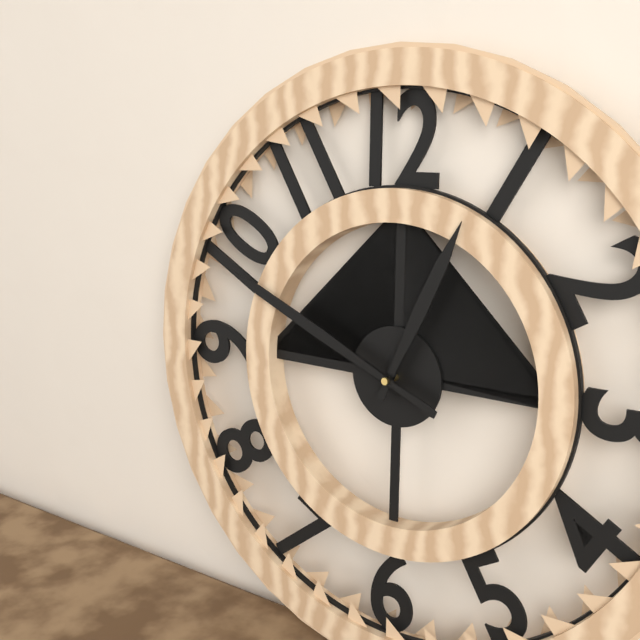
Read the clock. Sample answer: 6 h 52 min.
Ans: 12 h 49 min
